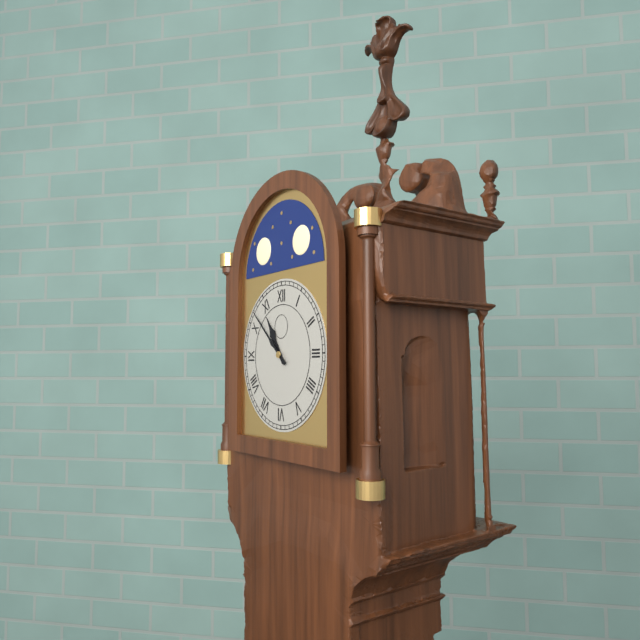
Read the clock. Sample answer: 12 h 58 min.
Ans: 10 h 52 min
